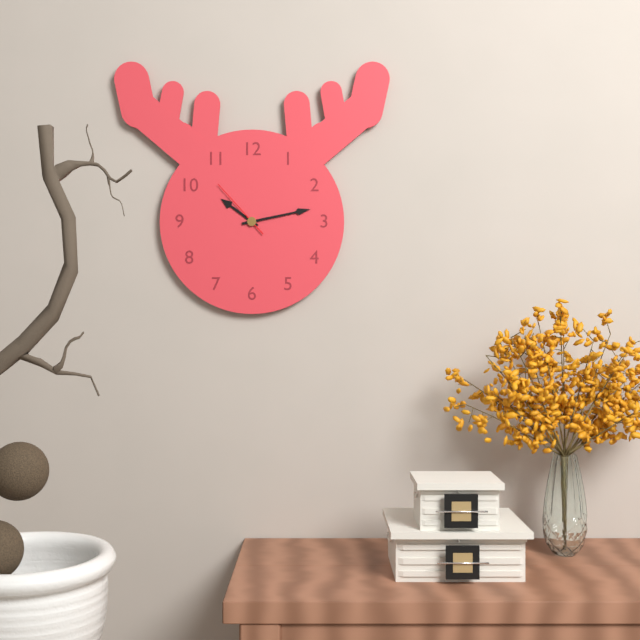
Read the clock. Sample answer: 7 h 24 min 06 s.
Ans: 10 h 13 min 53 s
